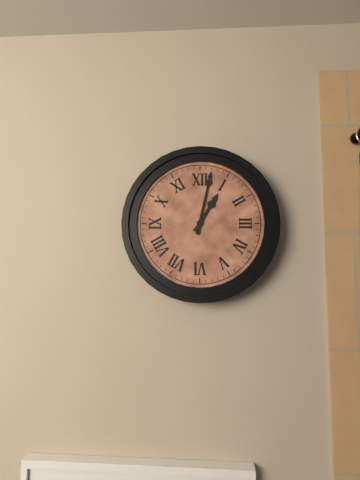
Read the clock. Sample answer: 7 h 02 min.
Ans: 1 h 02 min
